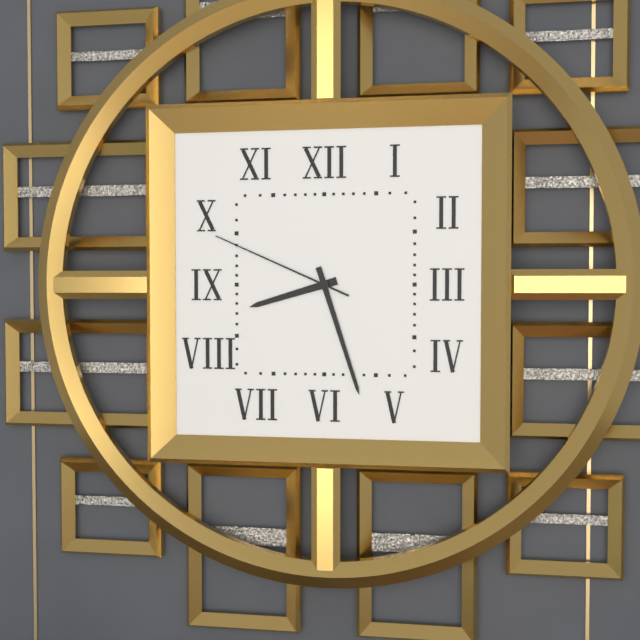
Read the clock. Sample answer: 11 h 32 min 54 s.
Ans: 8 h 27 min 49 s
